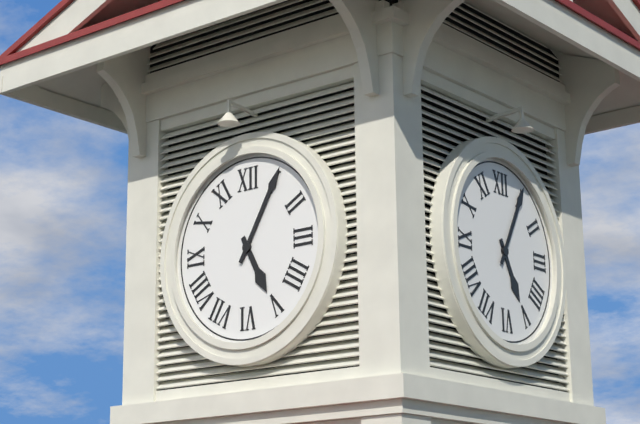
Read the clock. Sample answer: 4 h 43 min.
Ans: 5 h 05 min
